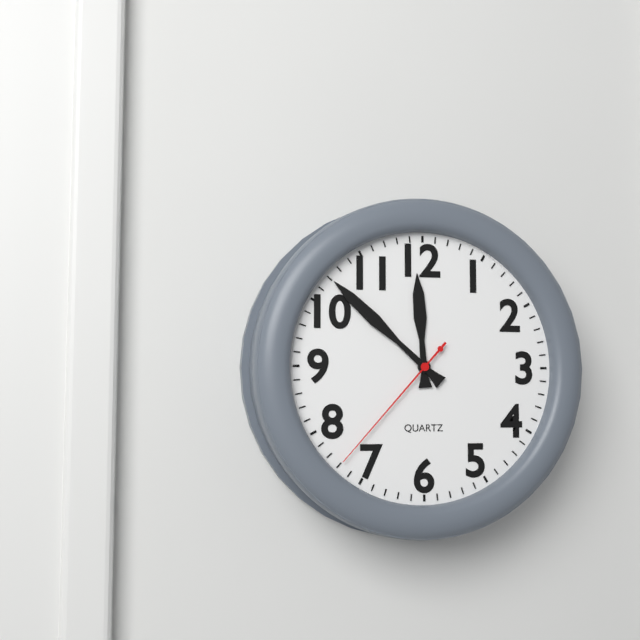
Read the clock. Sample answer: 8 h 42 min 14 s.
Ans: 11 h 52 min 37 s
